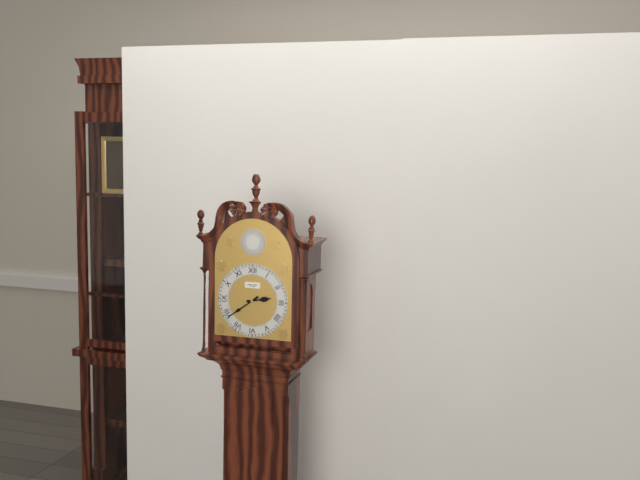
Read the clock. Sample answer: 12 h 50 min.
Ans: 2 h 39 min
